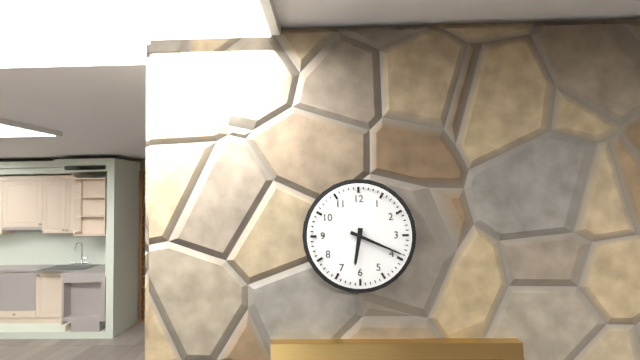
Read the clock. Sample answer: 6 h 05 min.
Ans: 6 h 19 min
